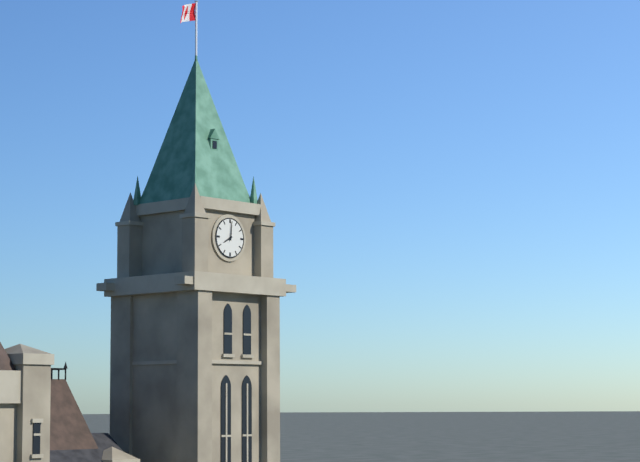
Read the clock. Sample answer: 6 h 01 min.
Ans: 8 h 01 min
